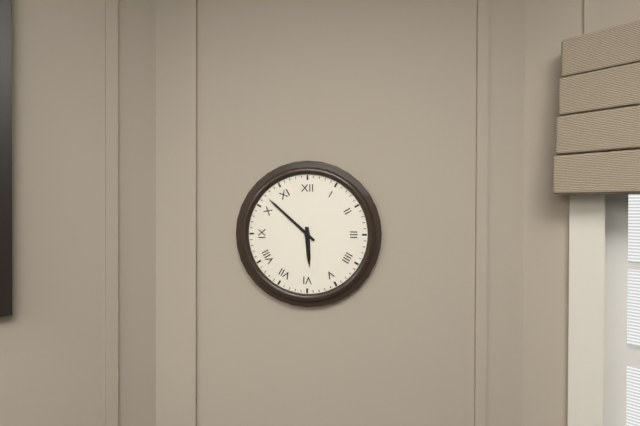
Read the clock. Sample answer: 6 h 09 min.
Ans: 5 h 52 min
